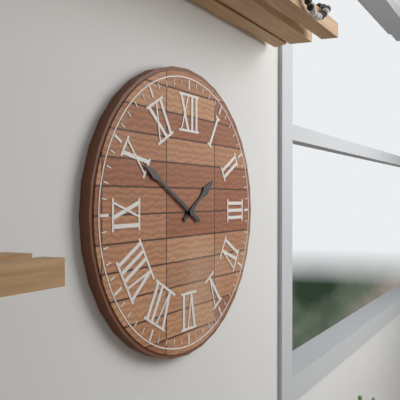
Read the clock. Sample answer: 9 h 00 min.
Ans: 1 h 50 min
